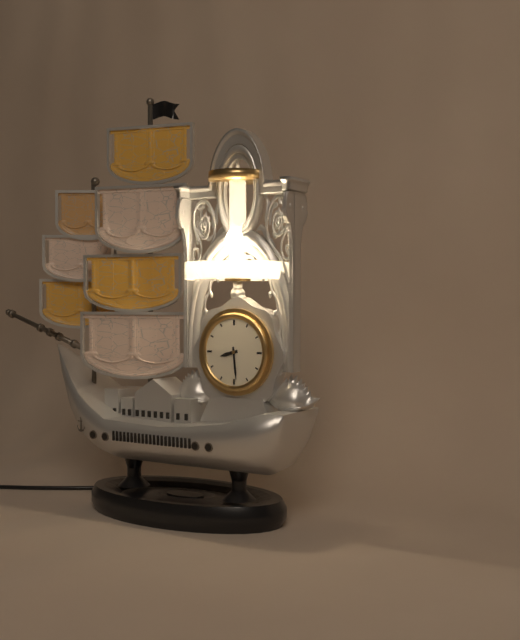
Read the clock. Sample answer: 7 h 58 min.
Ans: 8 h 29 min
